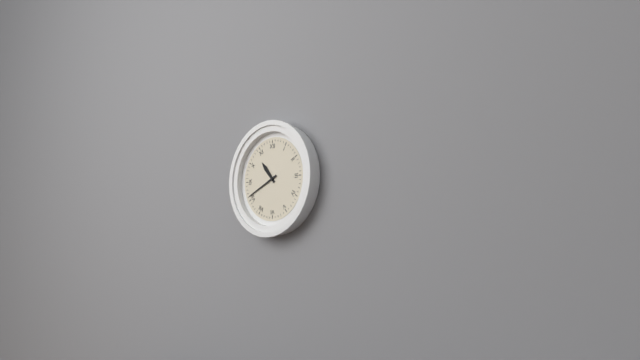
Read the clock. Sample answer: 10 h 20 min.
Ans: 10 h 41 min
